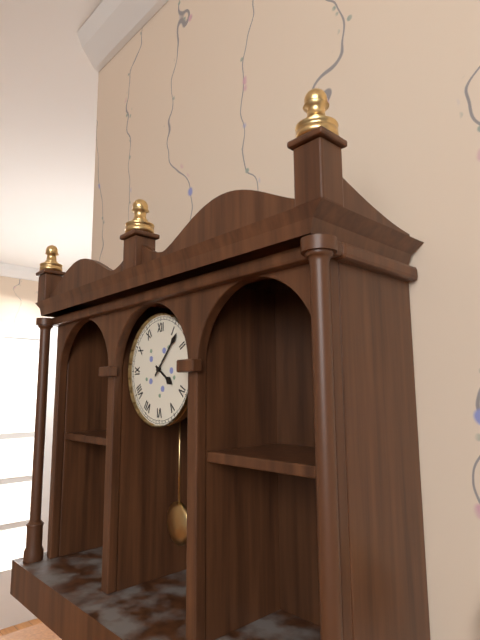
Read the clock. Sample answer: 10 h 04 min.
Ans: 4 h 07 min
